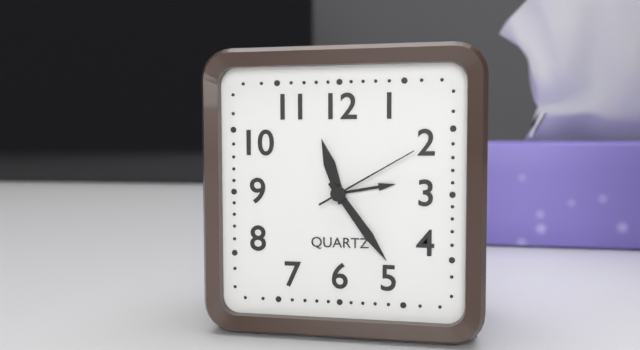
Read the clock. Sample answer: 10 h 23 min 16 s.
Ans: 11 h 24 min 10 s
